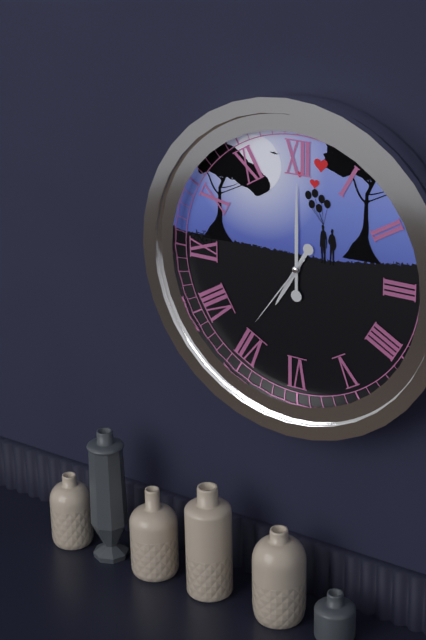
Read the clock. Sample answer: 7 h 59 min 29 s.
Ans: 7 h 00 min 36 s
